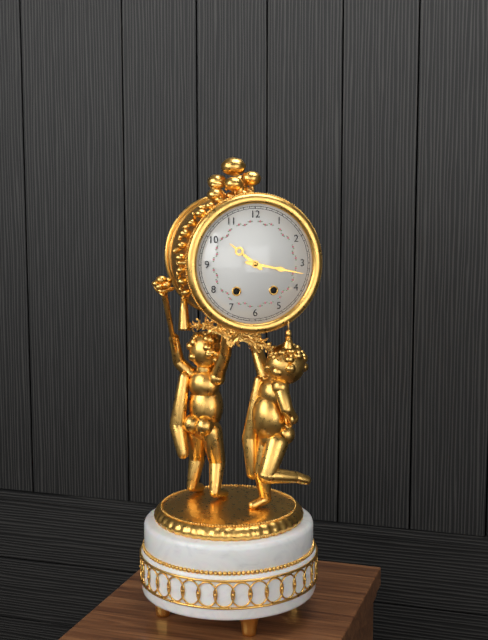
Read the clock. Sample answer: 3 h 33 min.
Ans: 10 h 17 min
